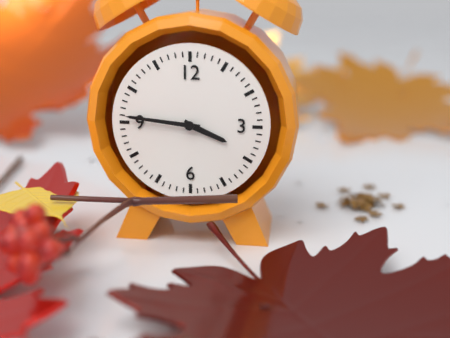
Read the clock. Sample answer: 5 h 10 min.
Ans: 3 h 46 min
